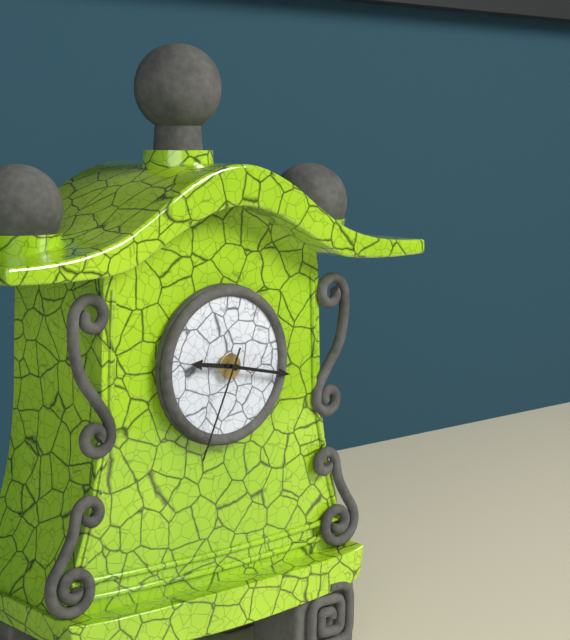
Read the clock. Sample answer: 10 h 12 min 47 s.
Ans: 9 h 17 min 34 s
